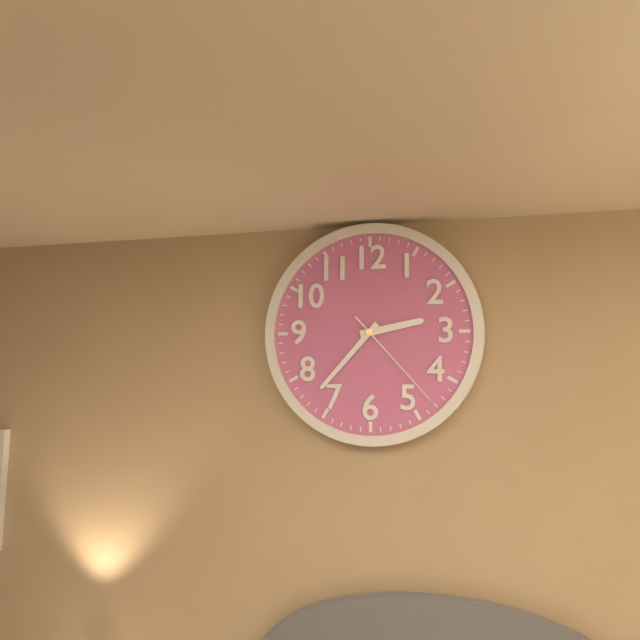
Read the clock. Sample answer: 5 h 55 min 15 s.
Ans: 2 h 37 min 23 s
